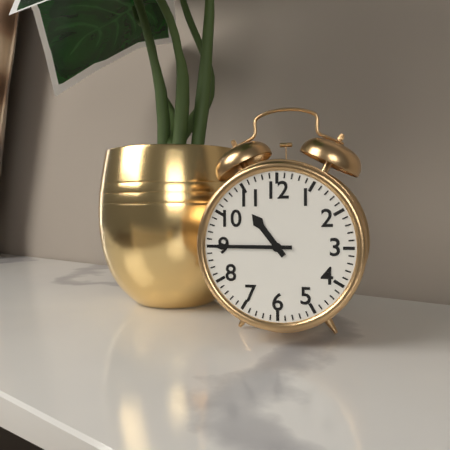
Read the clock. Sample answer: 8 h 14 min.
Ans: 10 h 45 min
